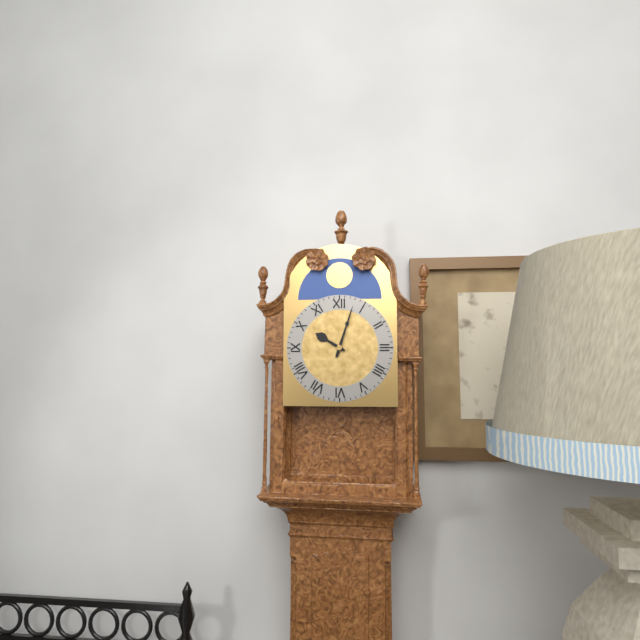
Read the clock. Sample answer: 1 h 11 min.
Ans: 10 h 03 min
